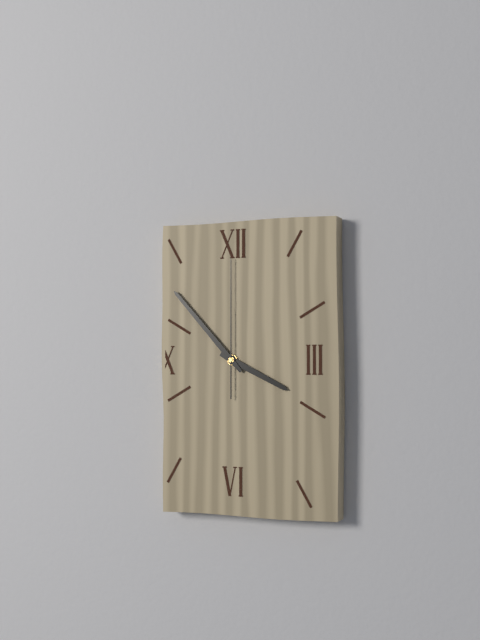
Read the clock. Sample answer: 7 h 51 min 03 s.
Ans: 3 h 53 min 00 s
